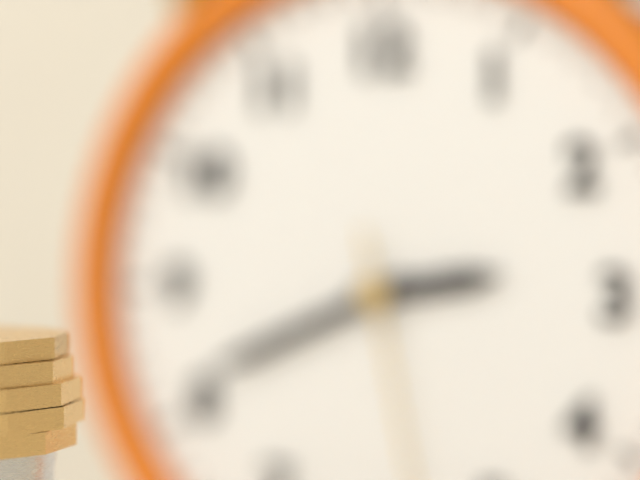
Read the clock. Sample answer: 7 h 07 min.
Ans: 2 h 41 min
